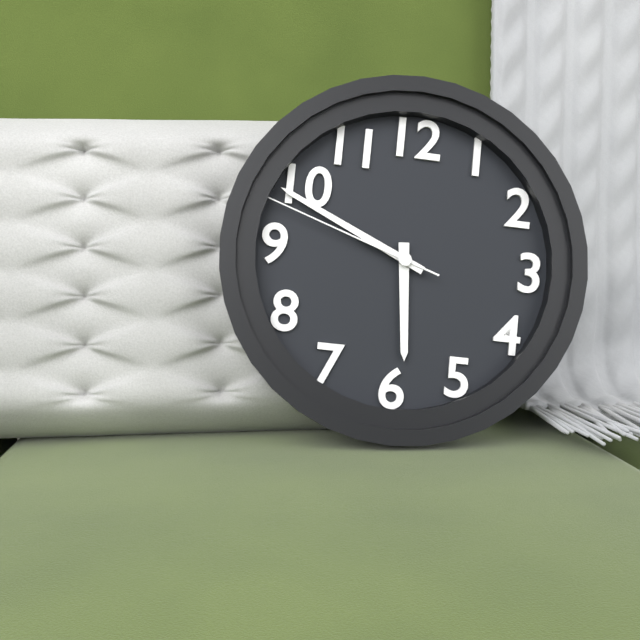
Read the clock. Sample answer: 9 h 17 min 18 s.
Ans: 5 h 49 min 48 s
